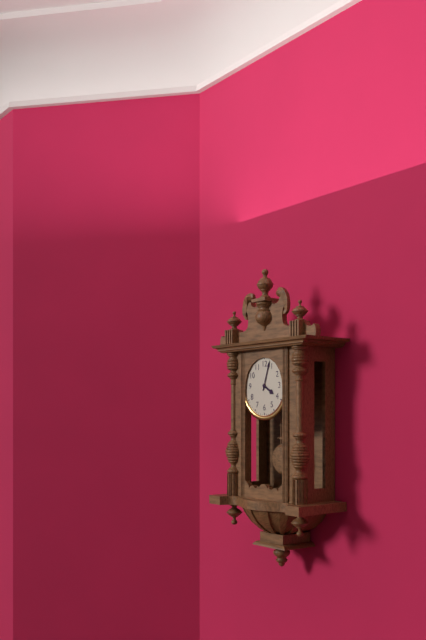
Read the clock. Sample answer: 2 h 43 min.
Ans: 4 h 03 min
